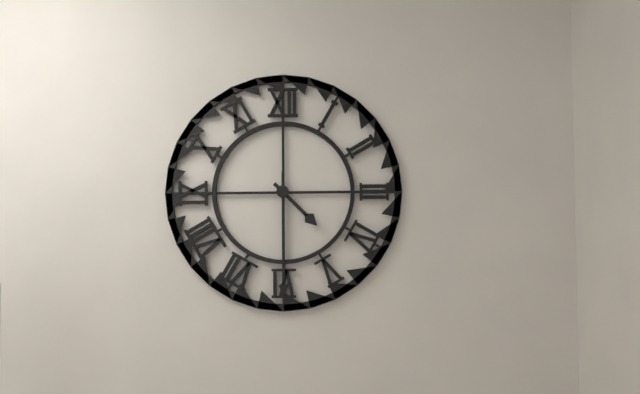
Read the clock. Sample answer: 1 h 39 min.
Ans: 4 h 30 min
